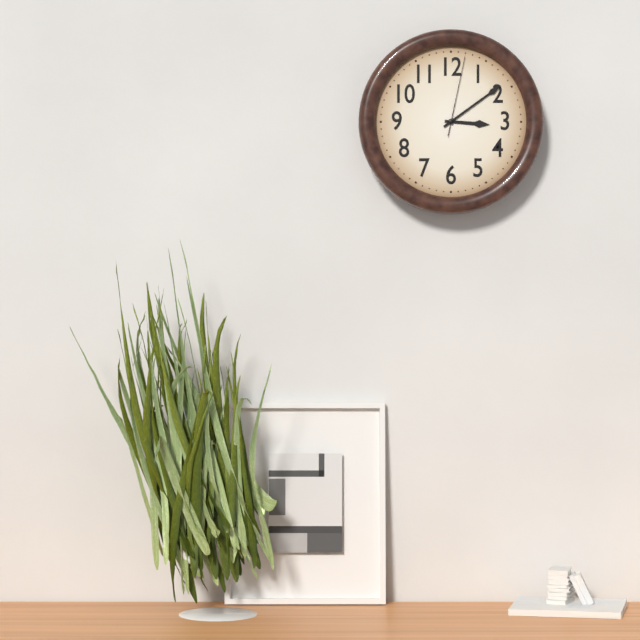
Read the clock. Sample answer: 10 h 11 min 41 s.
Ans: 3 h 09 min 02 s
